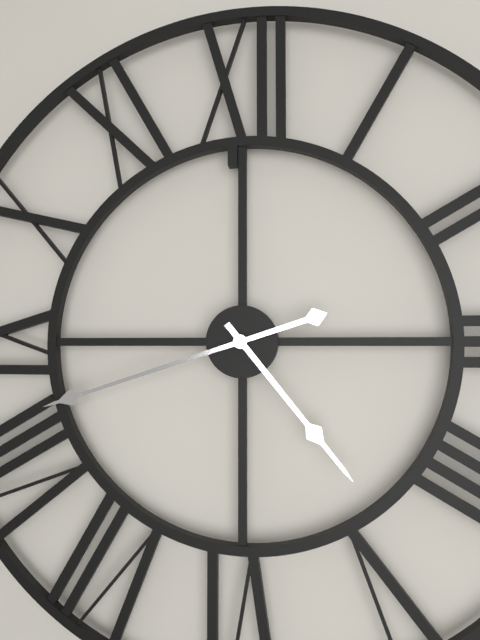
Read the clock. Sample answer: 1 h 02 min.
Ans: 4 h 42 min
